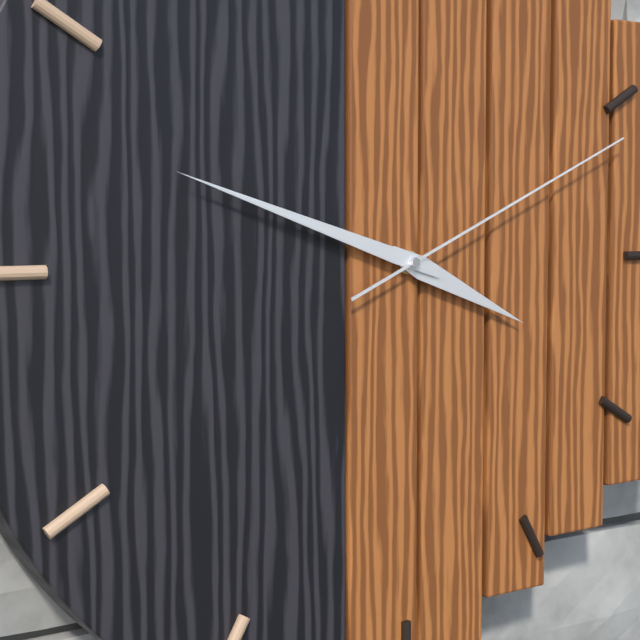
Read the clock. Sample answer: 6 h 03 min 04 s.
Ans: 3 h 48 min 11 s
